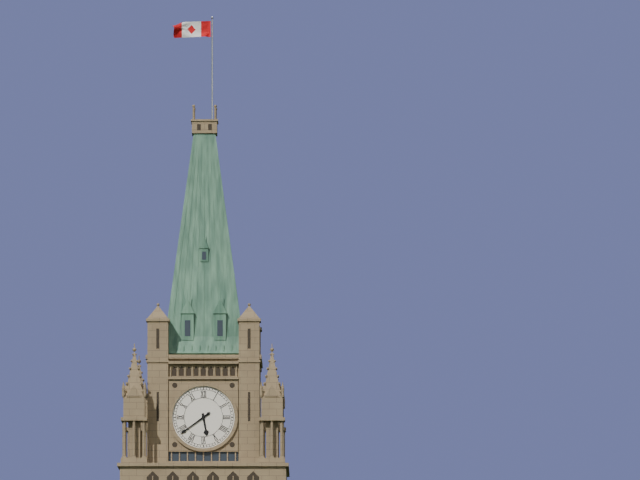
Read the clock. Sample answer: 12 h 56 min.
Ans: 5 h 39 min
